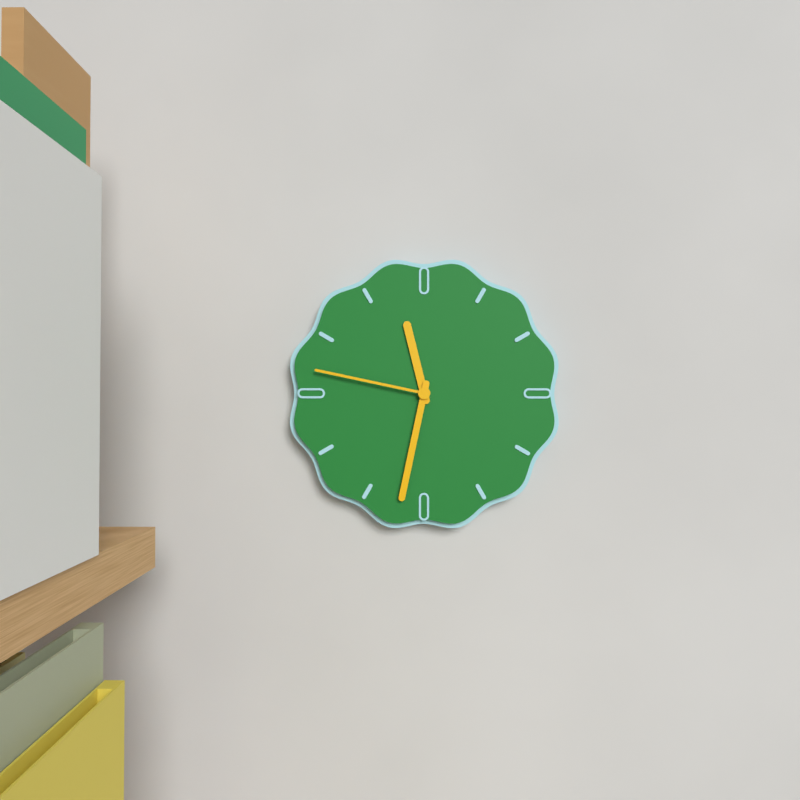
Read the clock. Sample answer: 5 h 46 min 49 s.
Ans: 11 h 32 min 47 s
